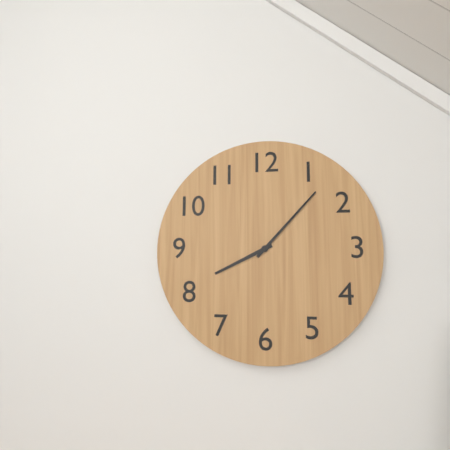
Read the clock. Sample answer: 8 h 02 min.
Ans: 8 h 07 min
